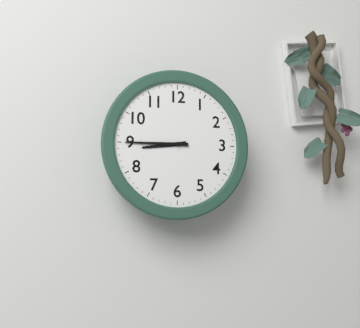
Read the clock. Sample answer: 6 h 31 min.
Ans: 8 h 45 min
